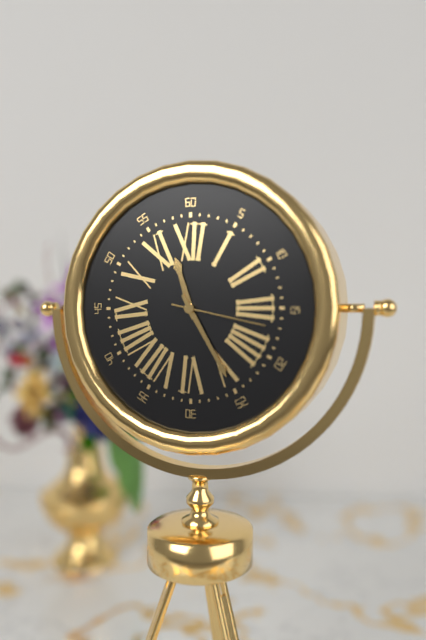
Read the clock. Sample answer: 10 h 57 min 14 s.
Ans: 11 h 25 min 17 s
